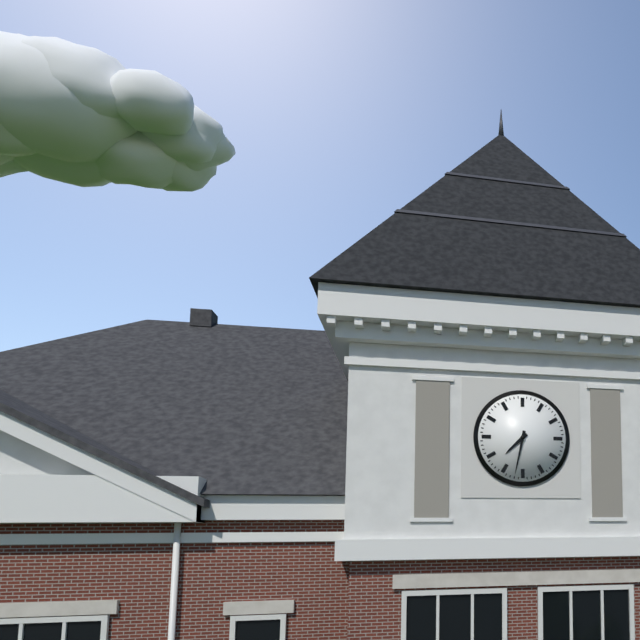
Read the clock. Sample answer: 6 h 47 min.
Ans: 7 h 32 min
